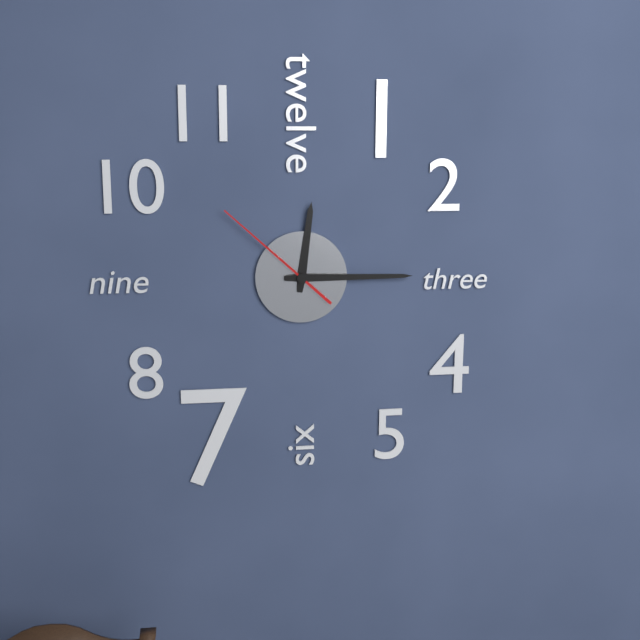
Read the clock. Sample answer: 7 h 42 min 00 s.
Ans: 12 h 15 min 52 s
